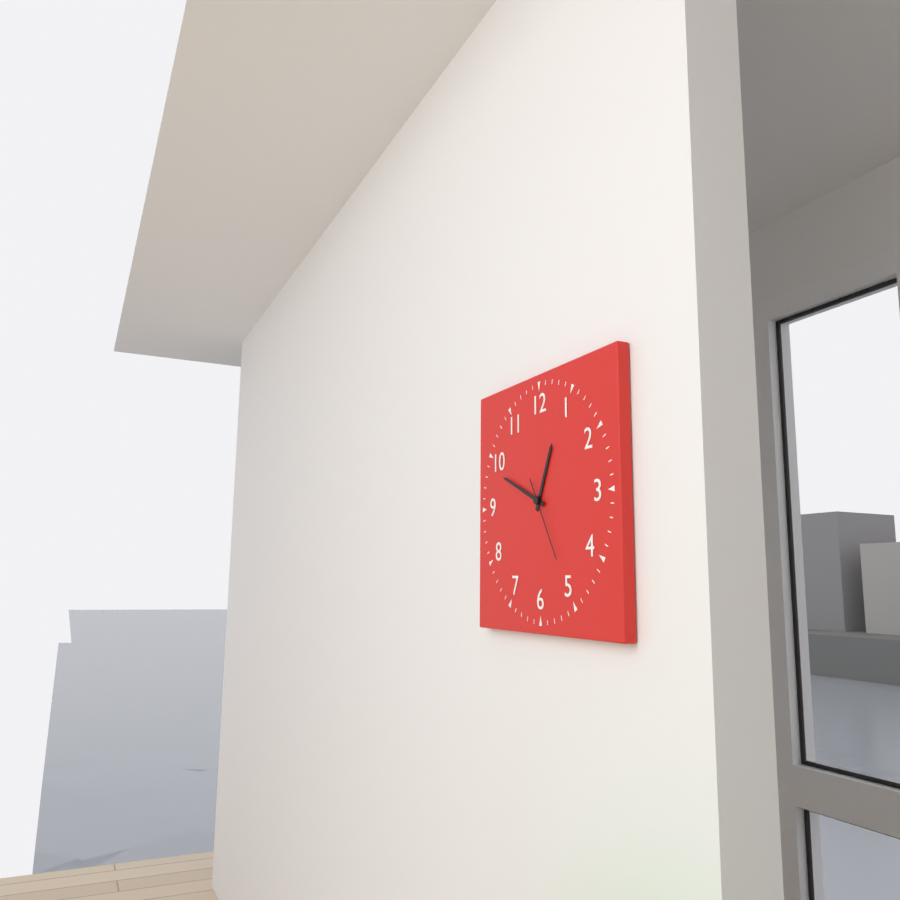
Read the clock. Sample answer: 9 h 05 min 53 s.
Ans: 12 h 49 min 25 s
